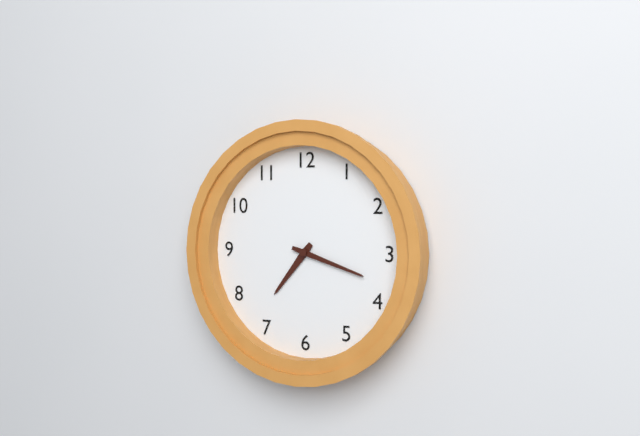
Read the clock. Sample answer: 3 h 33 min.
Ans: 7 h 18 min
